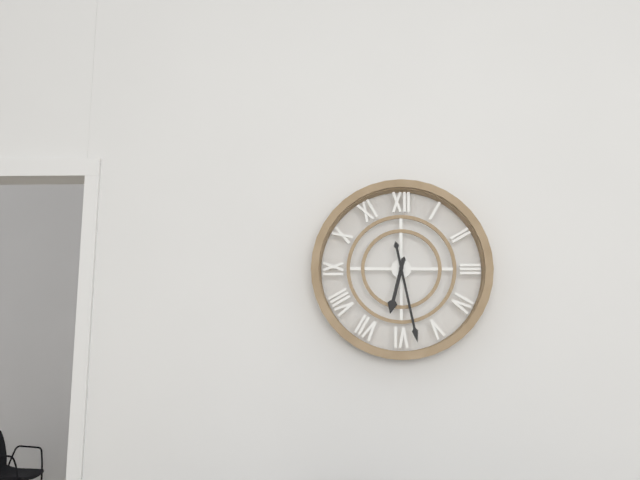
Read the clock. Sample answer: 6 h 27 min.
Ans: 6 h 28 min
